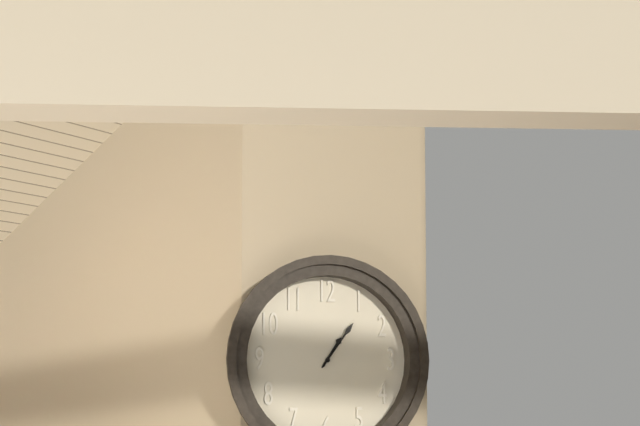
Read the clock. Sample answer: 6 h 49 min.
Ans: 1 h 06 min
